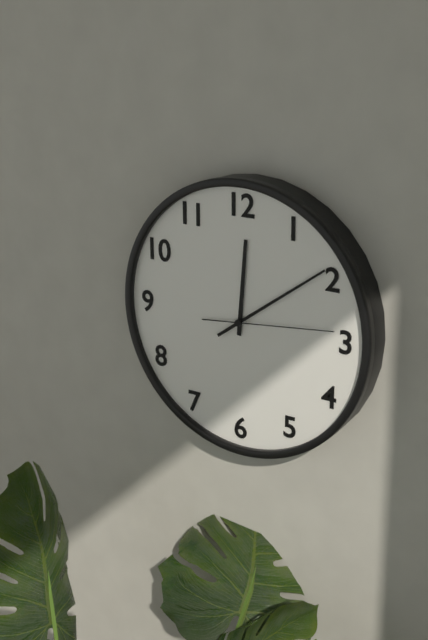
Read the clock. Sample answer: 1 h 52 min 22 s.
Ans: 12 h 09 min 14 s
